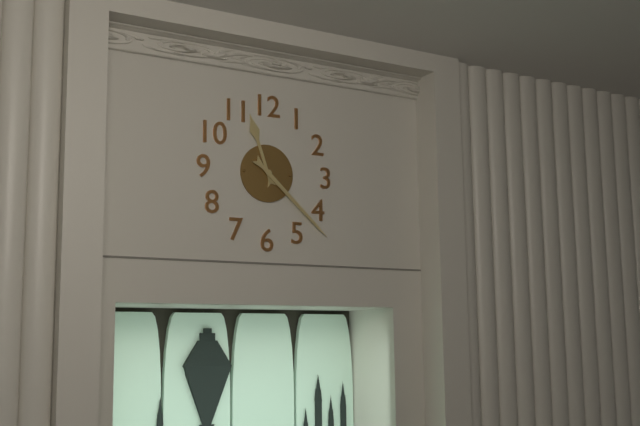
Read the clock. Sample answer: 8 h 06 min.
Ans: 11 h 22 min
